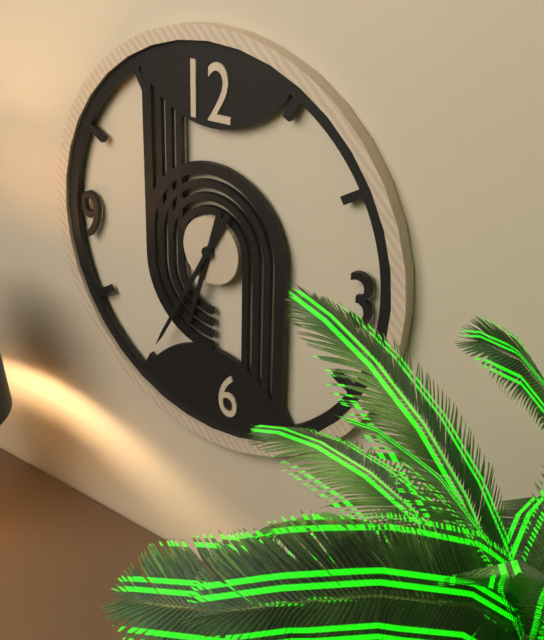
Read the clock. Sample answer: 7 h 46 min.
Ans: 6 h 35 min
